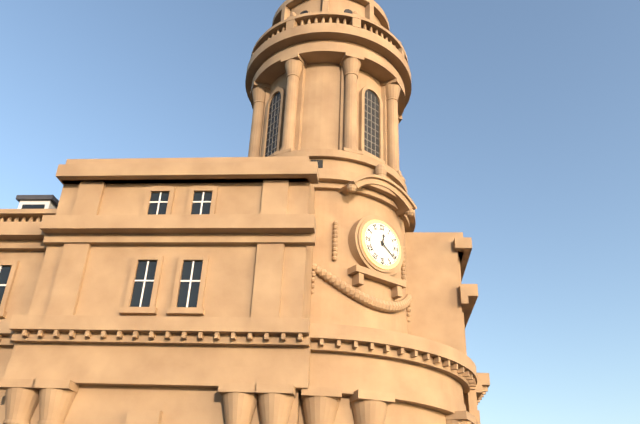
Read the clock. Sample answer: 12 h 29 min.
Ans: 12 h 21 min
